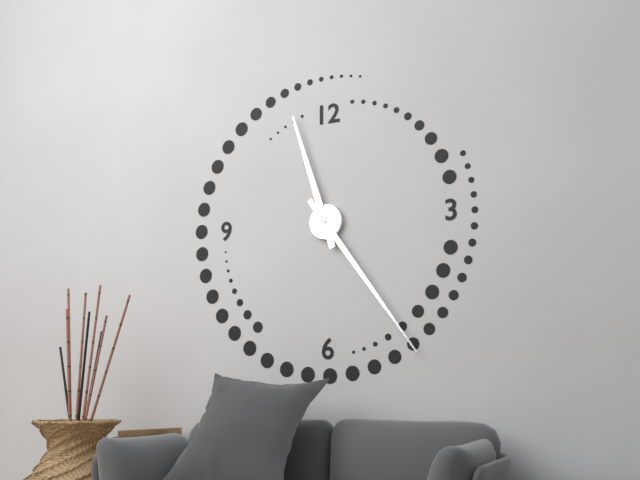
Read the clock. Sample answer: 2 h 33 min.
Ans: 11 h 24 min
